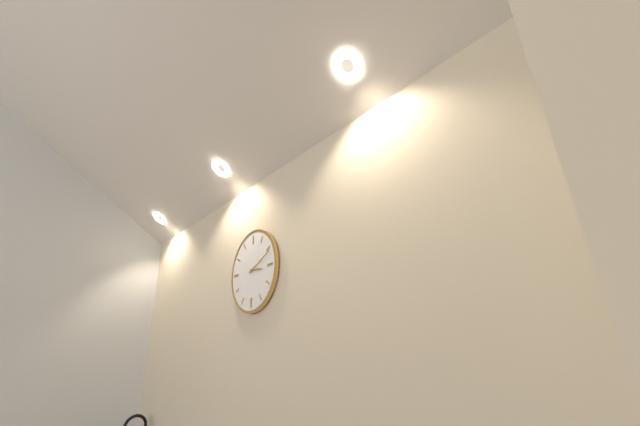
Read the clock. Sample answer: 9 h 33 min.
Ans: 3 h 11 min
